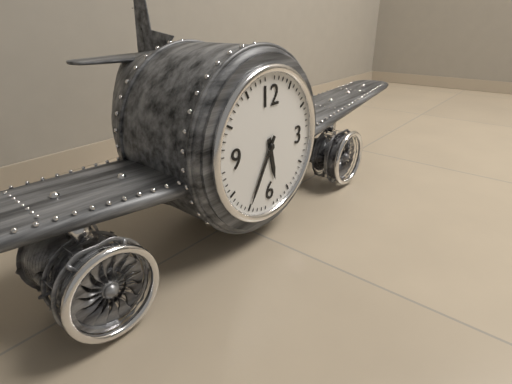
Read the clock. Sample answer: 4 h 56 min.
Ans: 5 h 35 min
